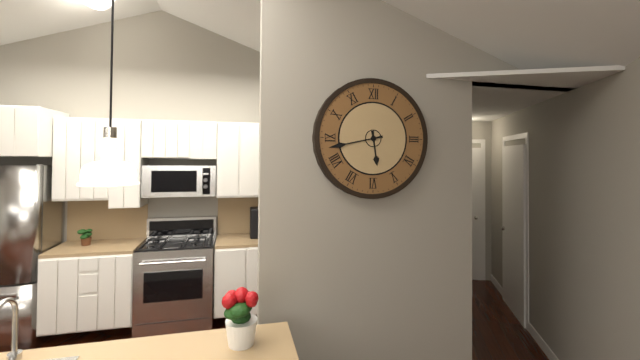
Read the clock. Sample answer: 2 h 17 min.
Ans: 5 h 43 min
